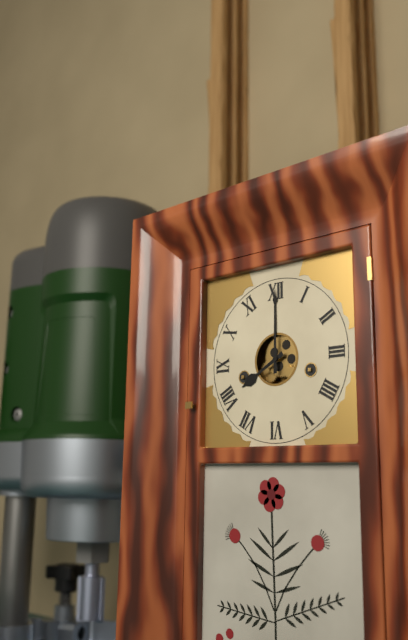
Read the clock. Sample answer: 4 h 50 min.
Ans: 8 h 00 min
